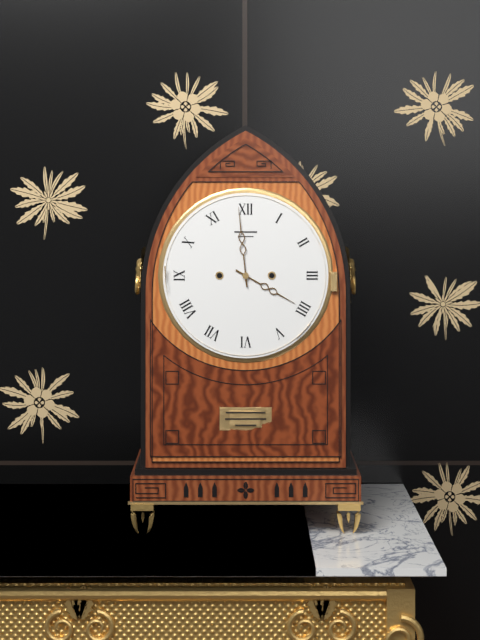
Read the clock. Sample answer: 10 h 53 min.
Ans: 3 h 59 min
